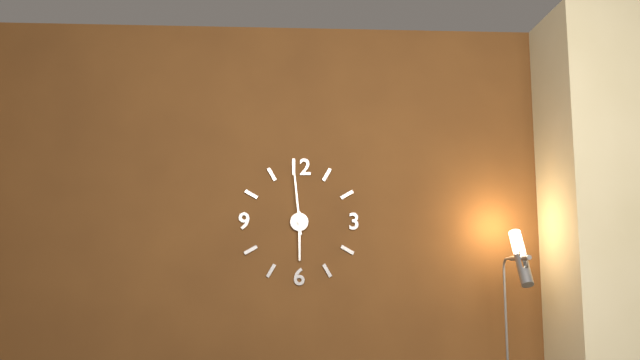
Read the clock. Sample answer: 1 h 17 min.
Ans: 5 h 59 min
